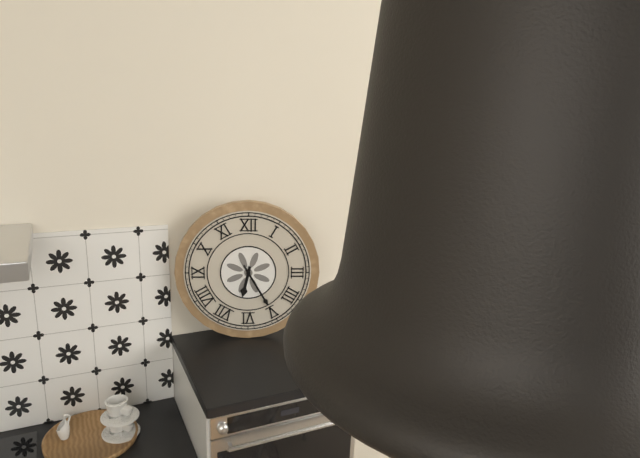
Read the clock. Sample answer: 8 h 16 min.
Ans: 6 h 25 min
